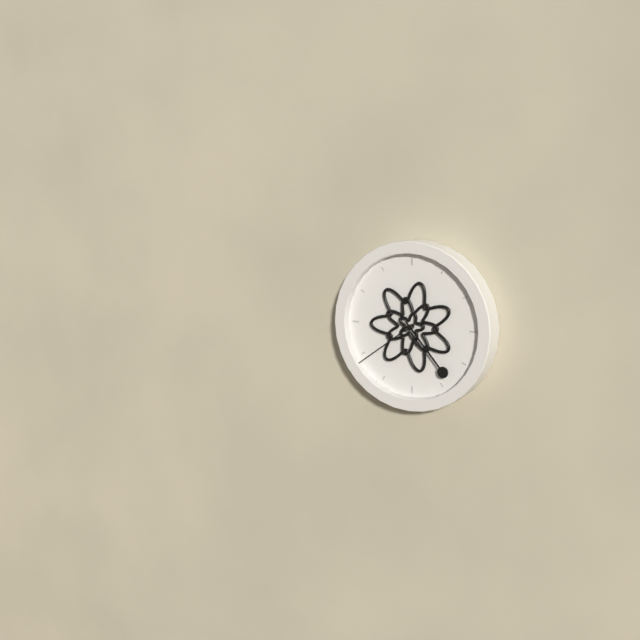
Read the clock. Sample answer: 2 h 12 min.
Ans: 4 h 39 min
